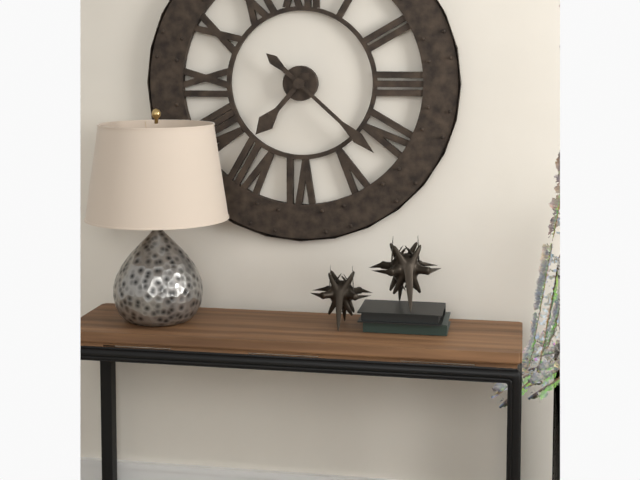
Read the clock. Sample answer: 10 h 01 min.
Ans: 7 h 22 min
